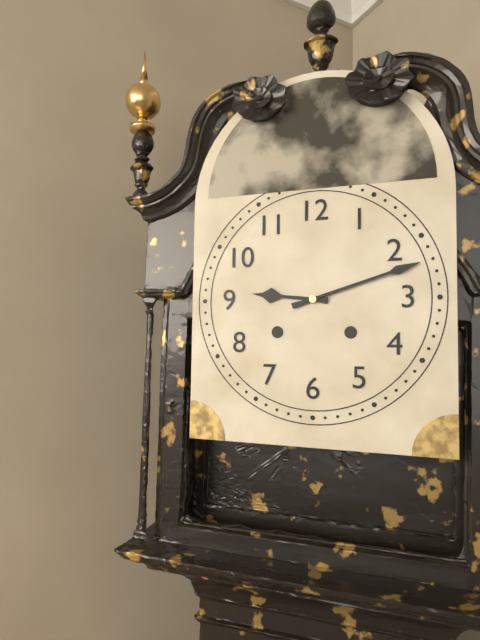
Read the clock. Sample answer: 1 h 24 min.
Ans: 9 h 12 min
